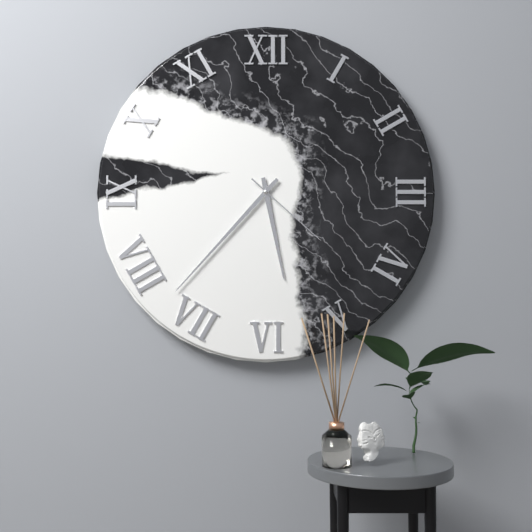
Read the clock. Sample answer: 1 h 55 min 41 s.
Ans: 5 h 37 min 22 s
